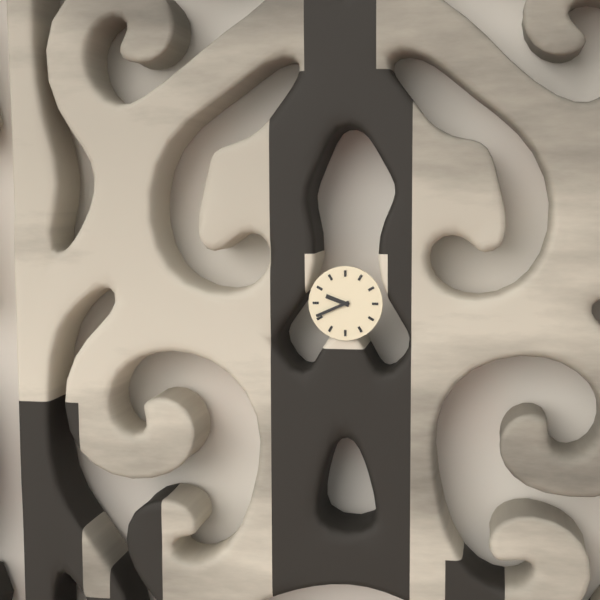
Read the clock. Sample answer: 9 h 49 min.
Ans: 9 h 41 min
